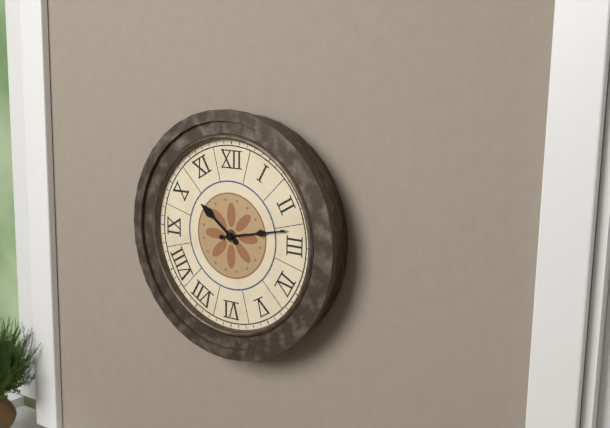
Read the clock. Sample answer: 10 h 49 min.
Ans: 10 h 13 min
